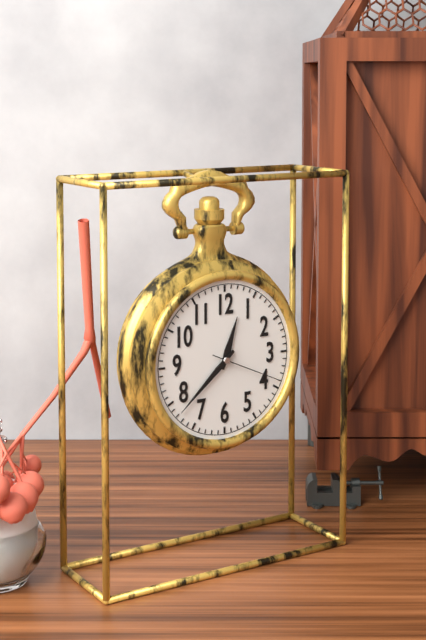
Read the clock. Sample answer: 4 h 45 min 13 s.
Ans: 12 h 38 min 19 s
